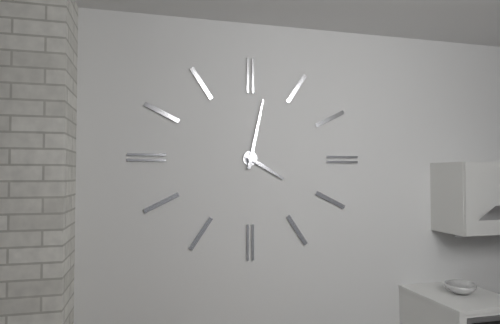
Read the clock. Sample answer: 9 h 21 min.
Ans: 4 h 02 min
